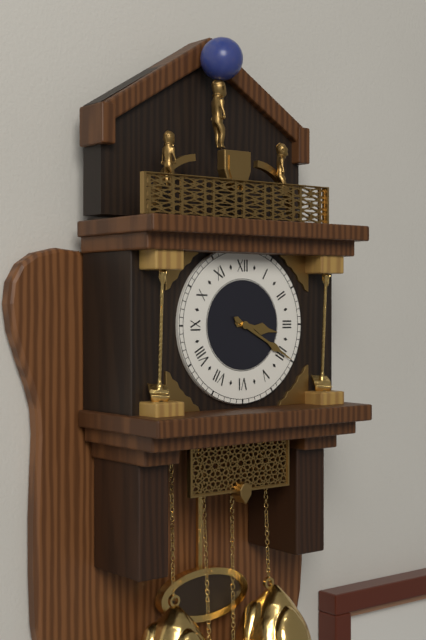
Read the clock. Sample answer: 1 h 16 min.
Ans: 3 h 20 min
